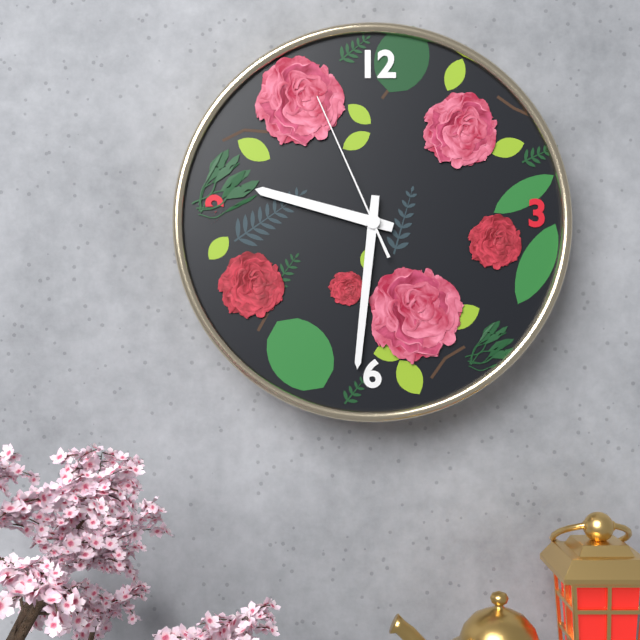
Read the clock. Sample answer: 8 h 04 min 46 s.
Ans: 9 h 31 min 56 s
